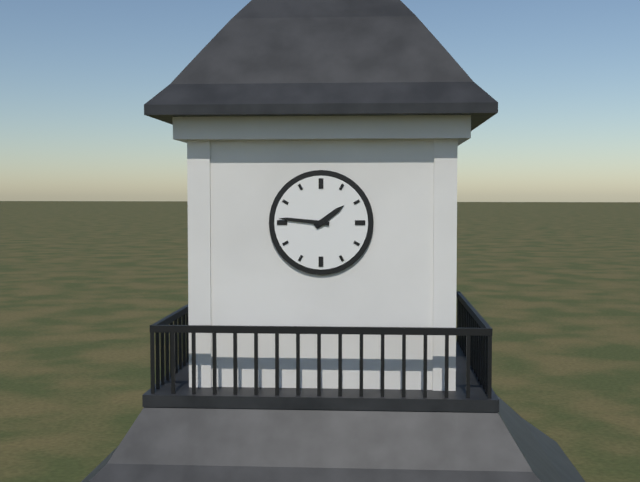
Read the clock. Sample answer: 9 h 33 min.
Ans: 1 h 46 min
